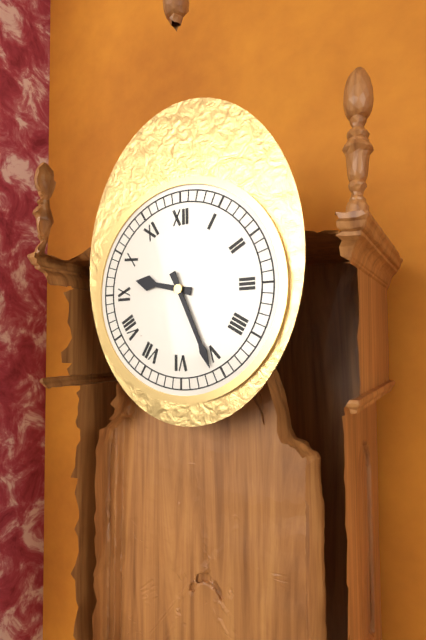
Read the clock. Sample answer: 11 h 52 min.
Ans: 9 h 26 min
